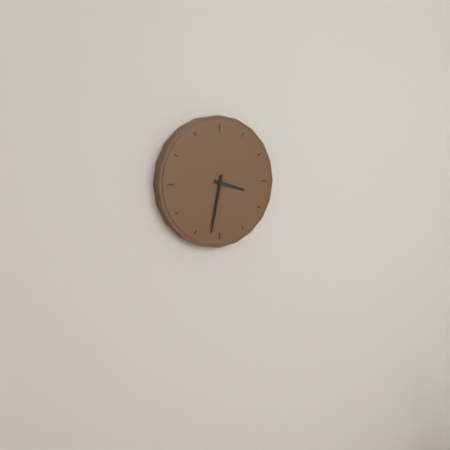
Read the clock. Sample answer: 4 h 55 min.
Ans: 3 h 32 min
